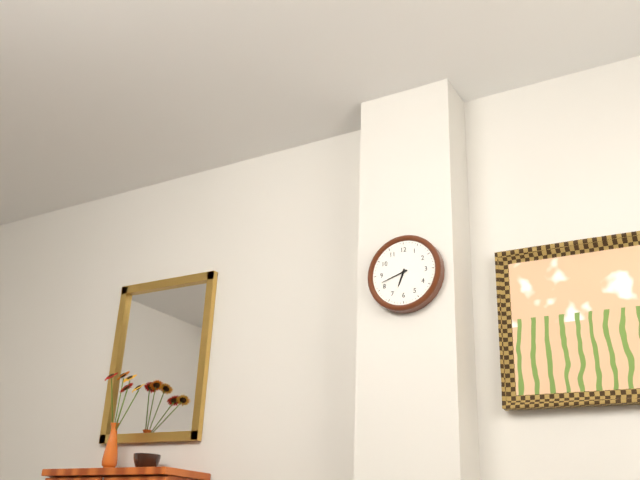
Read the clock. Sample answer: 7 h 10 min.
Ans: 6 h 42 min
